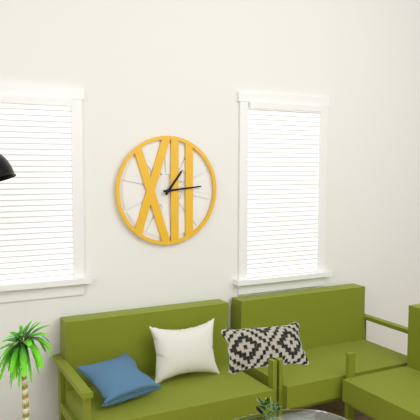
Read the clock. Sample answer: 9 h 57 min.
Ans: 1 h 14 min
